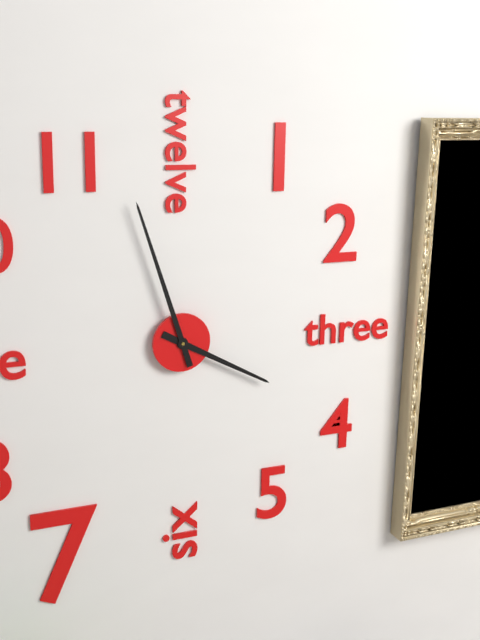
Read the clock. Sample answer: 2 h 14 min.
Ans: 3 h 57 min
